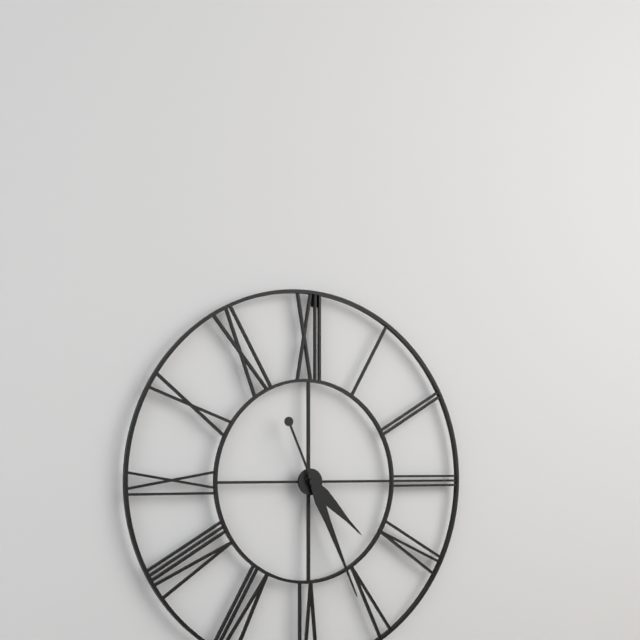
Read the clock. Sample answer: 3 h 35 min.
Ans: 4 h 26 min
